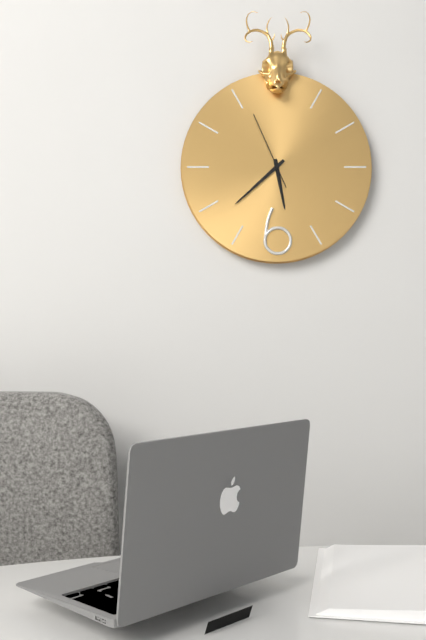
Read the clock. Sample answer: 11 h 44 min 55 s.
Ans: 5 h 38 min 56 s
